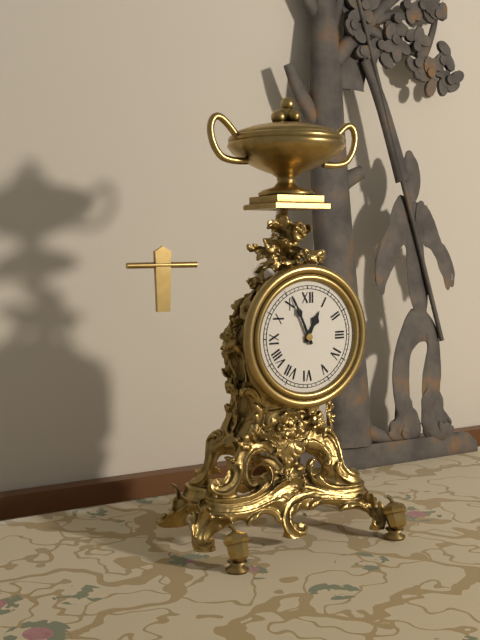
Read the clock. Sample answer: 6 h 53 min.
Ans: 12 h 56 min
